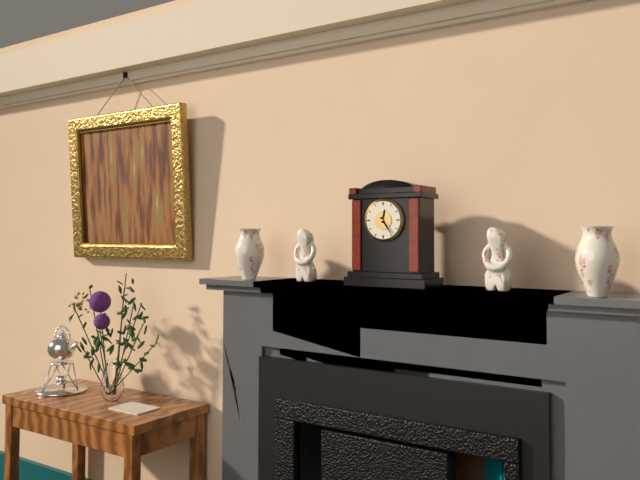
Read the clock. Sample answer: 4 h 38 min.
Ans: 12 h 24 min
